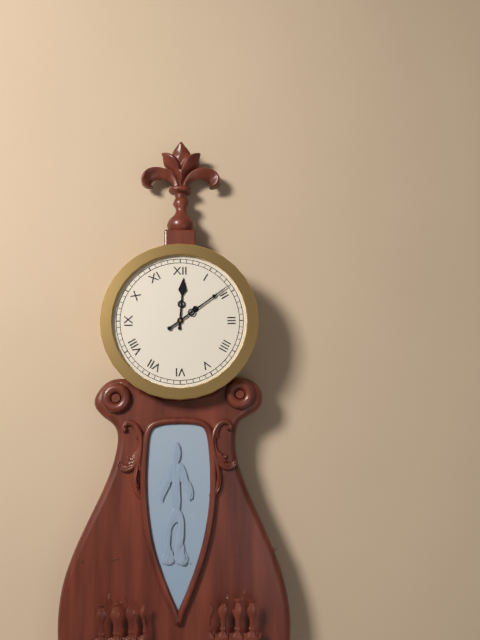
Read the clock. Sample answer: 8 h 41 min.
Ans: 12 h 09 min
